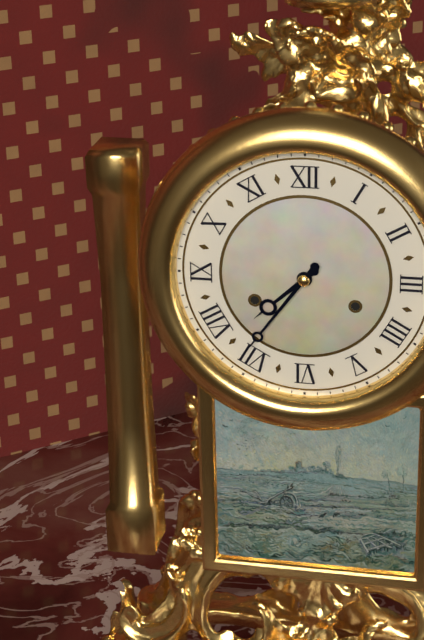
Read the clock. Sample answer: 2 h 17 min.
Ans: 7 h 36 min
